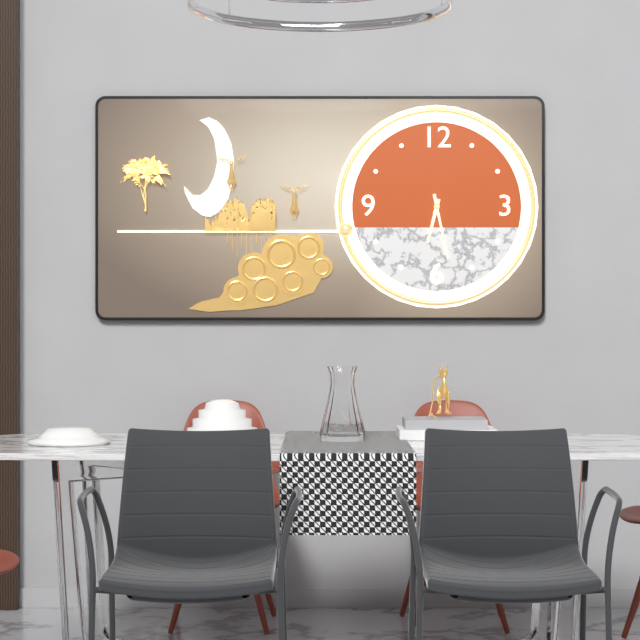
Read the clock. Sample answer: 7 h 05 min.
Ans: 6 h 28 min
